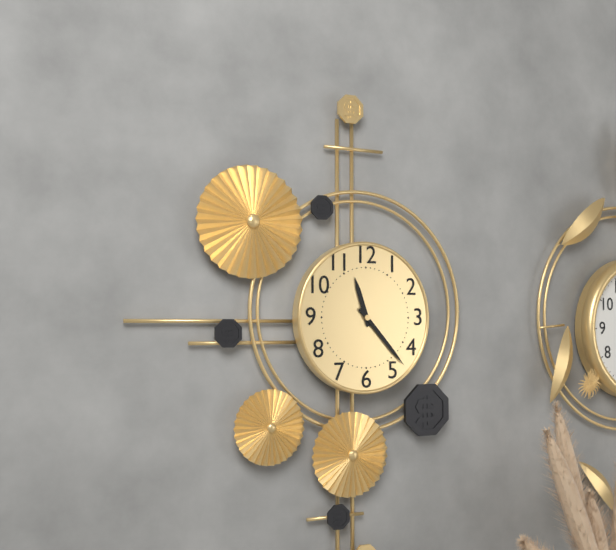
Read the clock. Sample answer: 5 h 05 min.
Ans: 11 h 23 min
